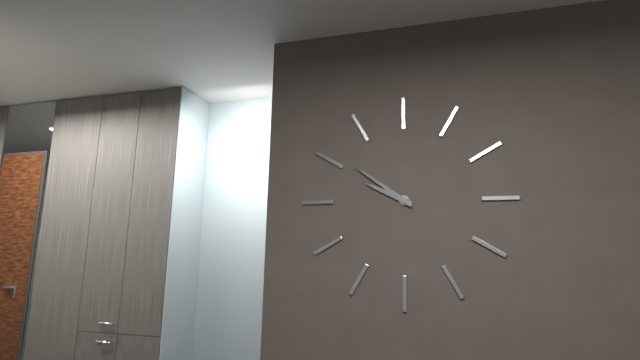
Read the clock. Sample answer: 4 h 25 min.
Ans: 9 h 51 min
